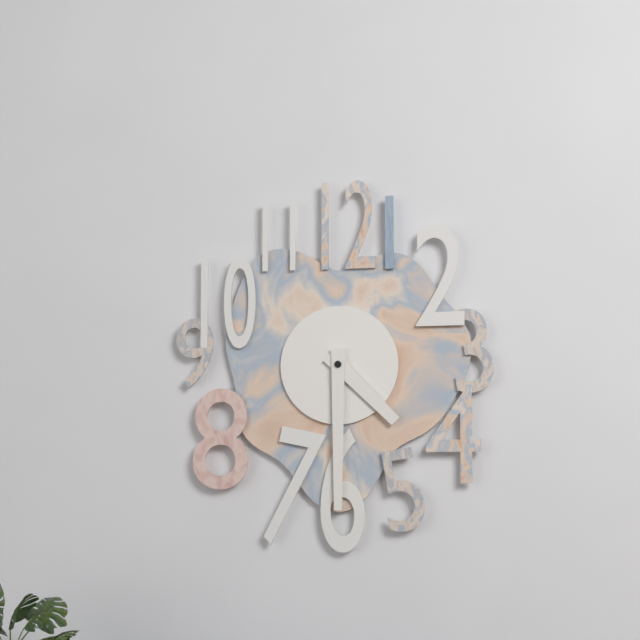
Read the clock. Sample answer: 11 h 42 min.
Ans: 4 h 30 min
